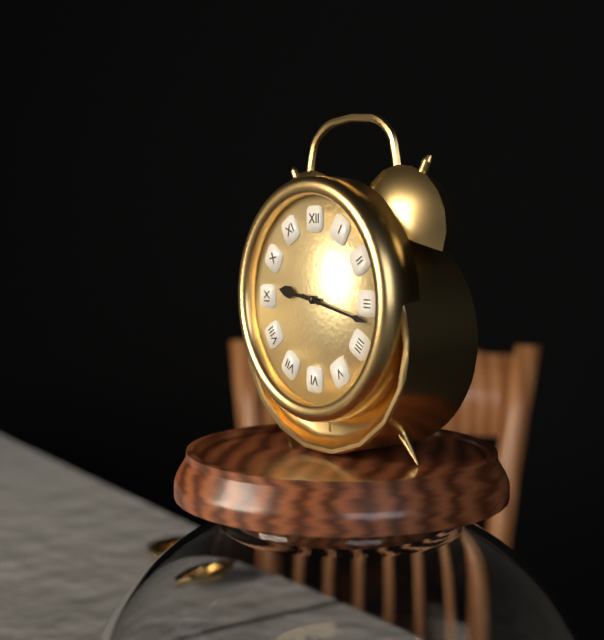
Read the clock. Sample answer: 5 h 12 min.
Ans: 9 h 17 min
